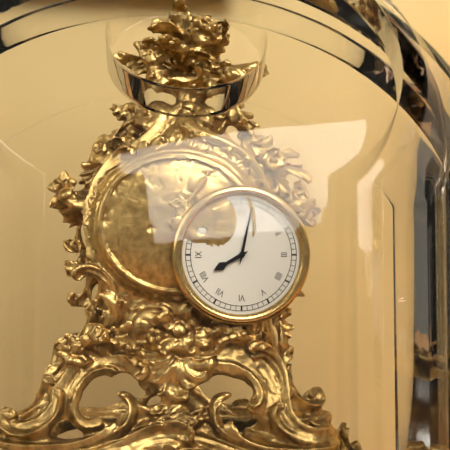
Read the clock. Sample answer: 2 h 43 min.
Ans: 8 h 02 min
